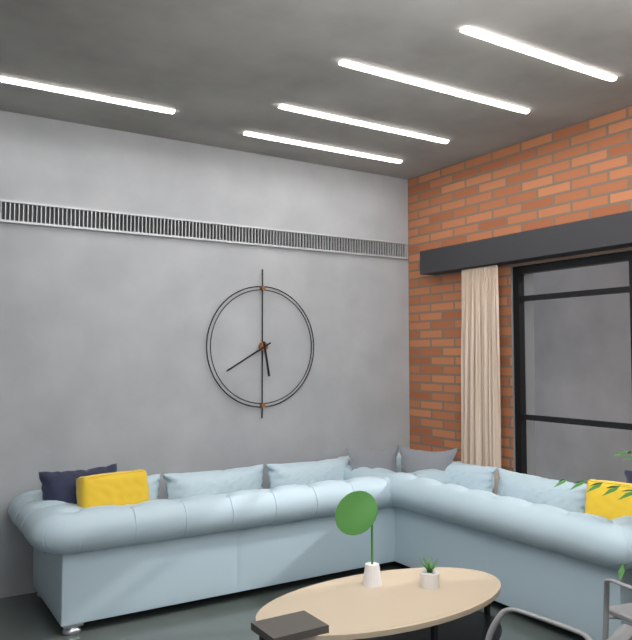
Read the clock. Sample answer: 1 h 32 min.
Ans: 5 h 40 min
